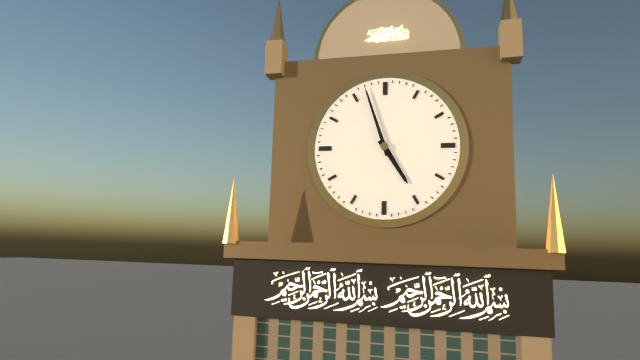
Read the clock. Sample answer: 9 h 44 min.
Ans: 4 h 57 min
